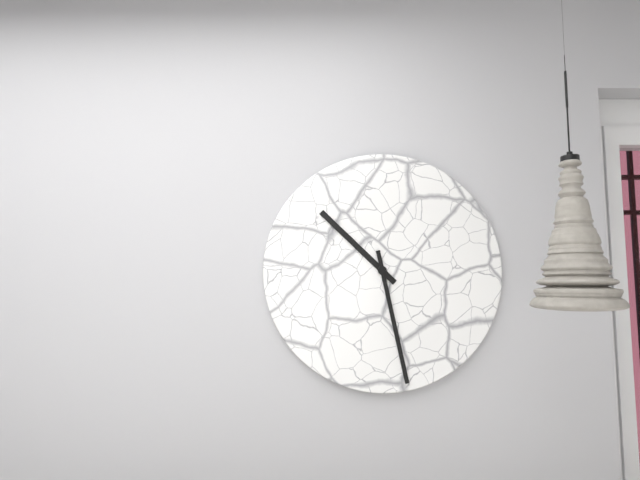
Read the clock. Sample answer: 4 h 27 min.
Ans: 10 h 28 min
